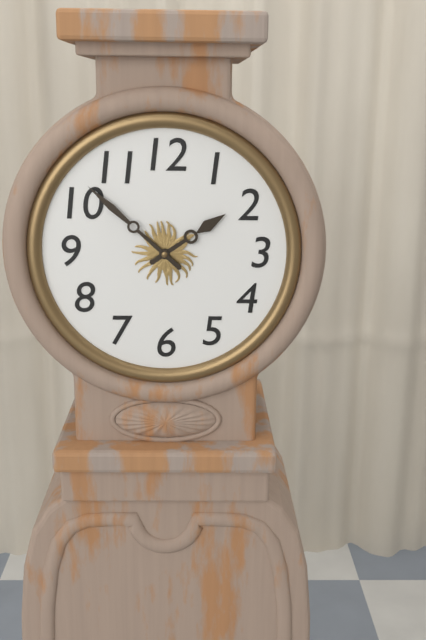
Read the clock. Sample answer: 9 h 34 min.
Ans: 1 h 52 min
